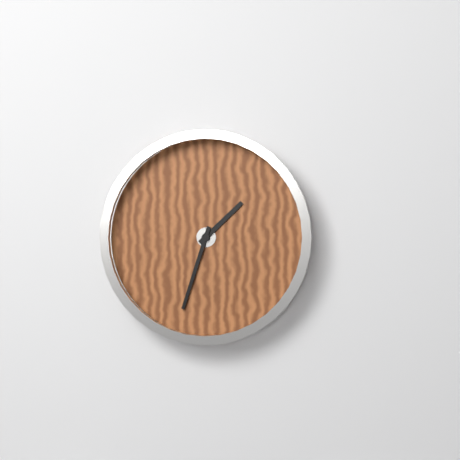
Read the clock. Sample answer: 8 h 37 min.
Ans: 1 h 33 min
